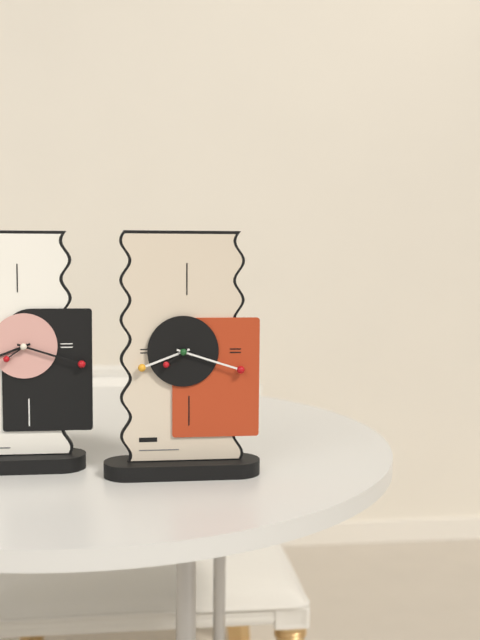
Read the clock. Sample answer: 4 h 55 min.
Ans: 8 h 18 min
